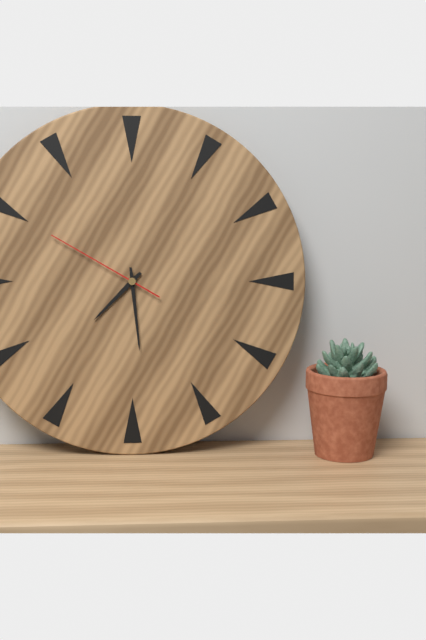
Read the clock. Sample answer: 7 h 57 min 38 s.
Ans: 7 h 29 min 50 s
